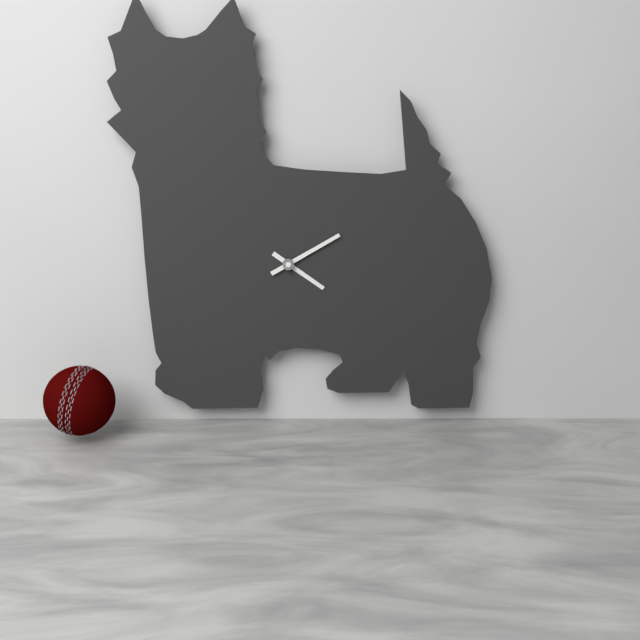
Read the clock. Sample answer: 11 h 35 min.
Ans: 4 h 10 min
